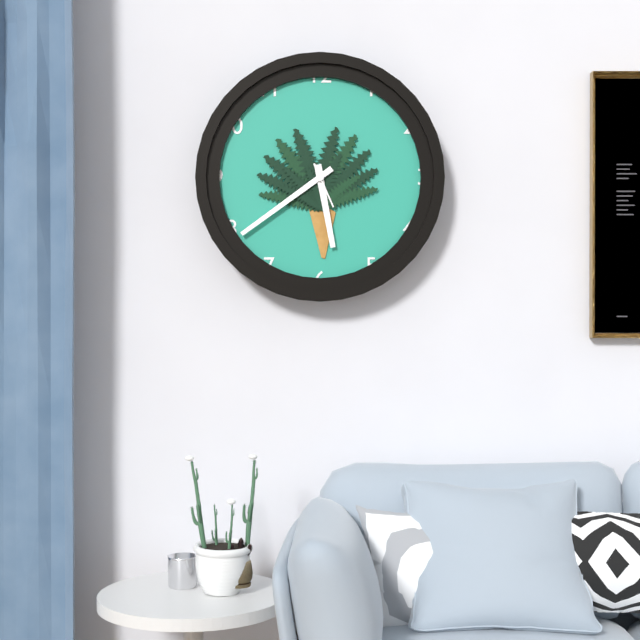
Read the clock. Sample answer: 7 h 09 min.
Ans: 5 h 39 min
